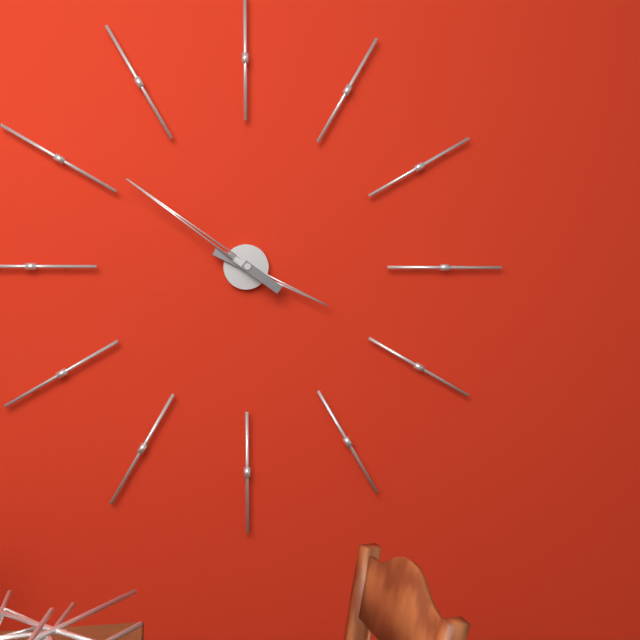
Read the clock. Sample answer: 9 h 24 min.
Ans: 3 h 51 min
